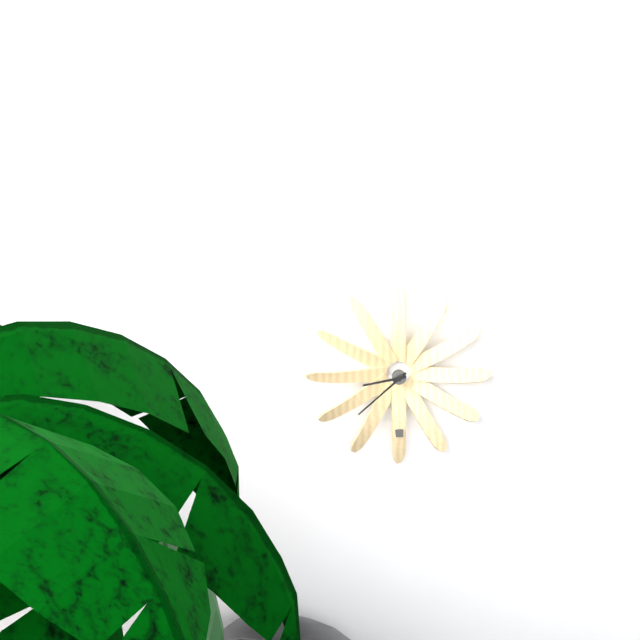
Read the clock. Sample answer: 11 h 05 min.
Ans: 8 h 38 min
